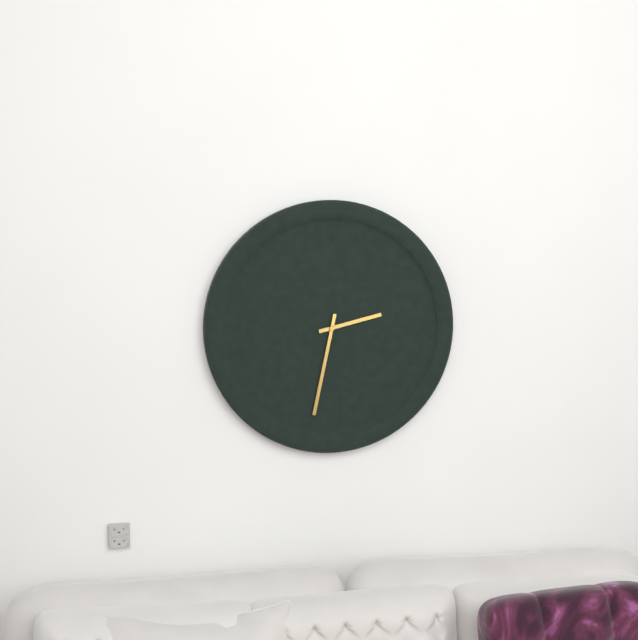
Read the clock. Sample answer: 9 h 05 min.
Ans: 2 h 32 min
